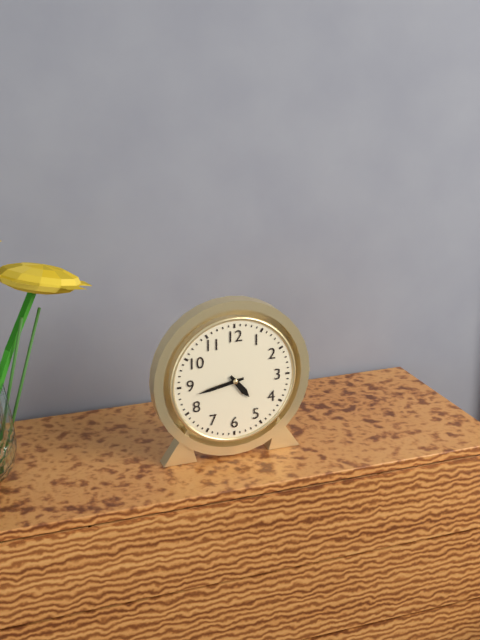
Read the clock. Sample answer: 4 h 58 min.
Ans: 4 h 43 min
